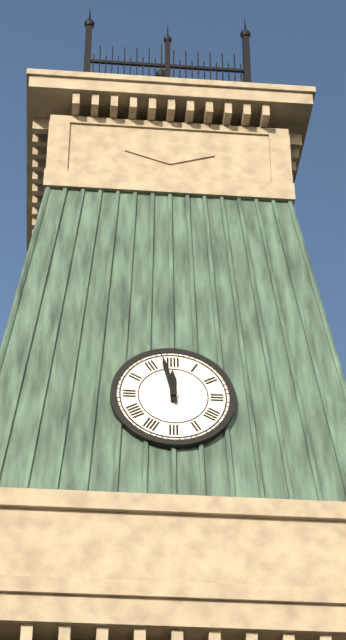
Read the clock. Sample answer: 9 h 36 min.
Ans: 11 h 58 min
